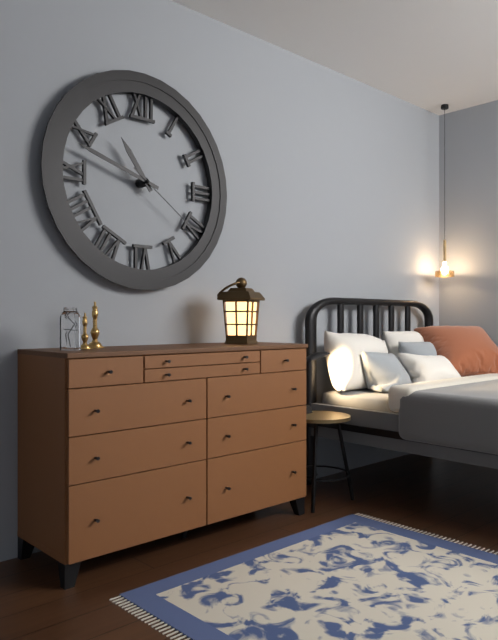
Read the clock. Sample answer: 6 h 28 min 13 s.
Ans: 10 h 48 min 21 s
